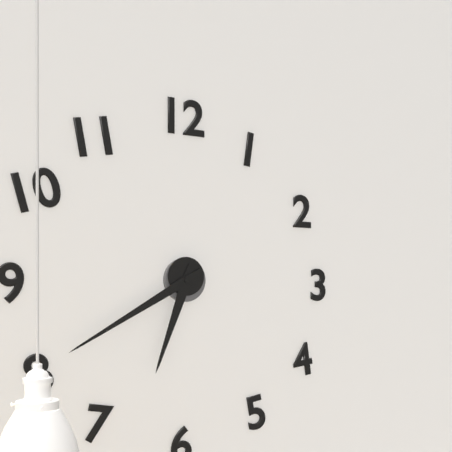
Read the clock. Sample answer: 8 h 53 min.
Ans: 6 h 40 min
